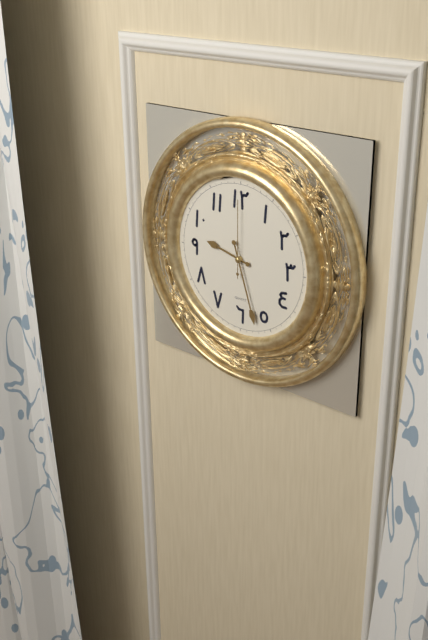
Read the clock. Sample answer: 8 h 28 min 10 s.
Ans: 9 h 27 min 00 s
